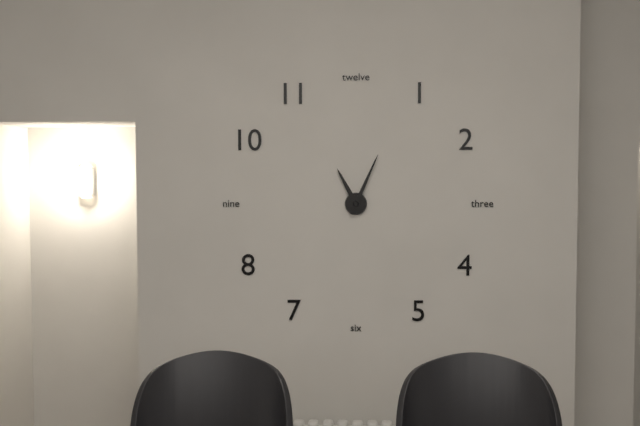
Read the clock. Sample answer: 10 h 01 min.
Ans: 11 h 04 min
